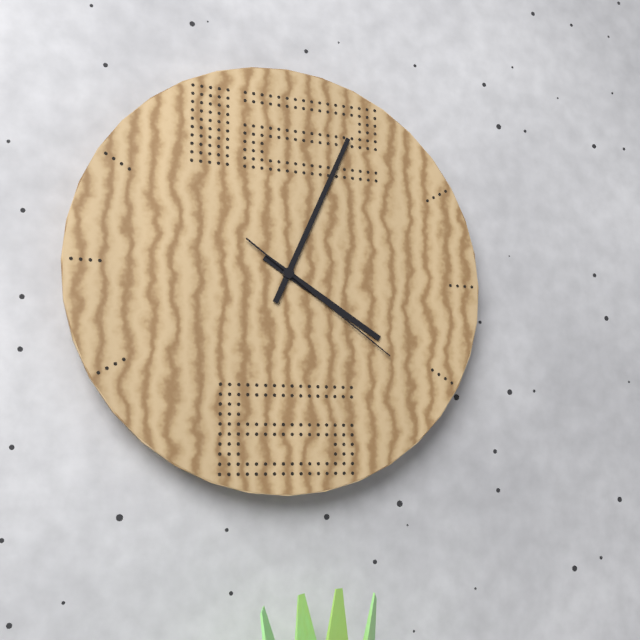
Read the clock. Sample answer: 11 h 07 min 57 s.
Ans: 4 h 04 min 21 s
